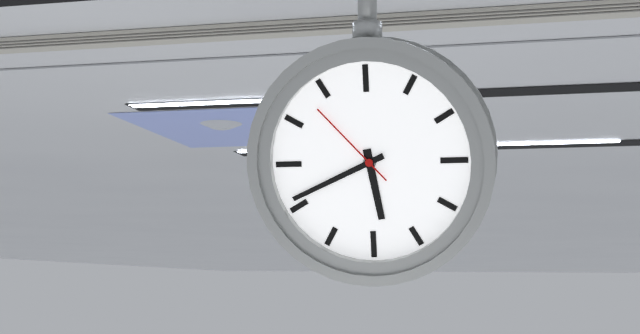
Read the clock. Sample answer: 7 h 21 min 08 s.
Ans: 5 h 41 min 53 s
